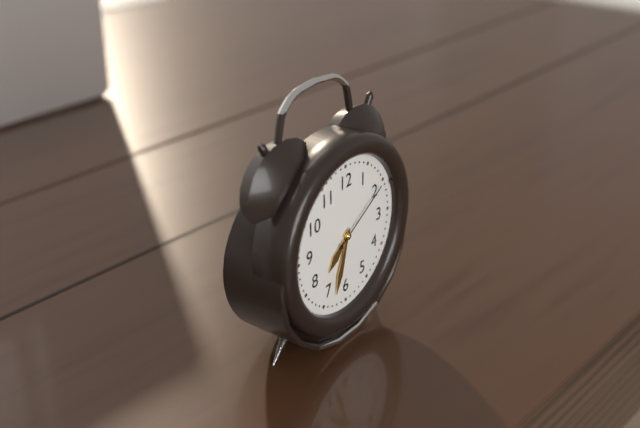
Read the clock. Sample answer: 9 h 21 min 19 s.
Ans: 7 h 33 min 10 s
